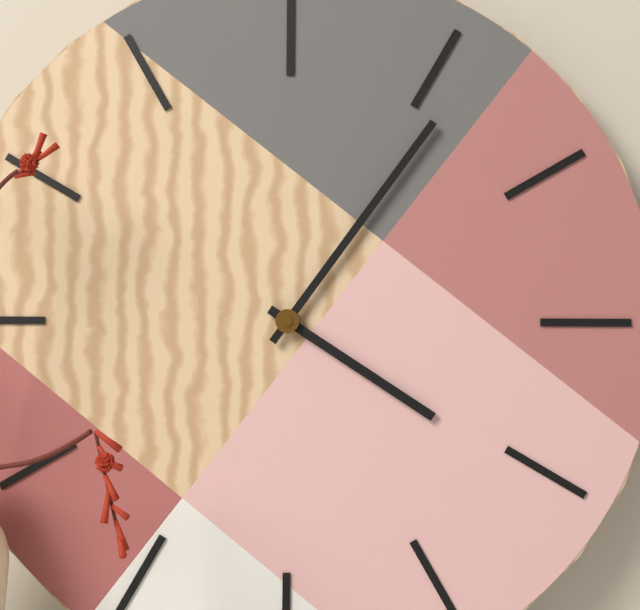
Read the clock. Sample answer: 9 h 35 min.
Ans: 4 h 06 min
